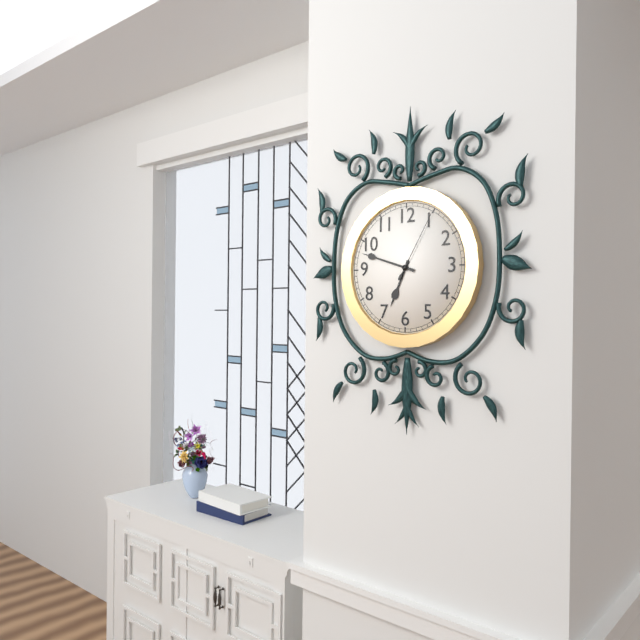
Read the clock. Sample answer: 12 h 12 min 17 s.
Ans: 6 h 48 min 05 s
